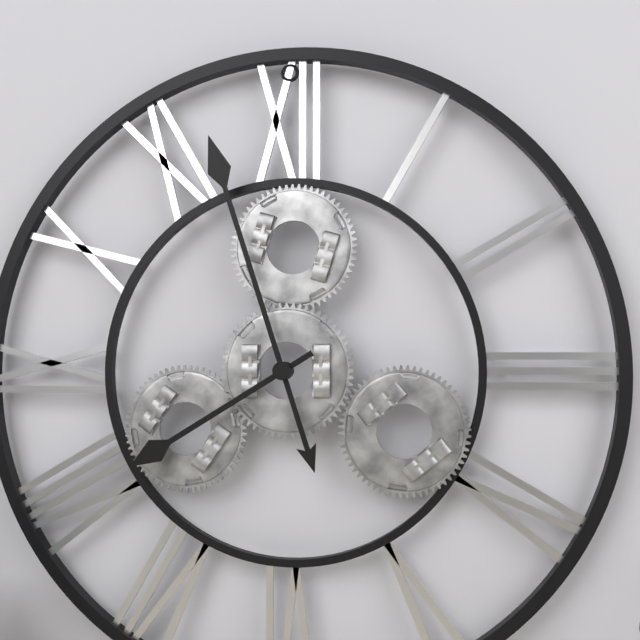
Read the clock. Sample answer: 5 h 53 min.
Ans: 7 h 57 min
